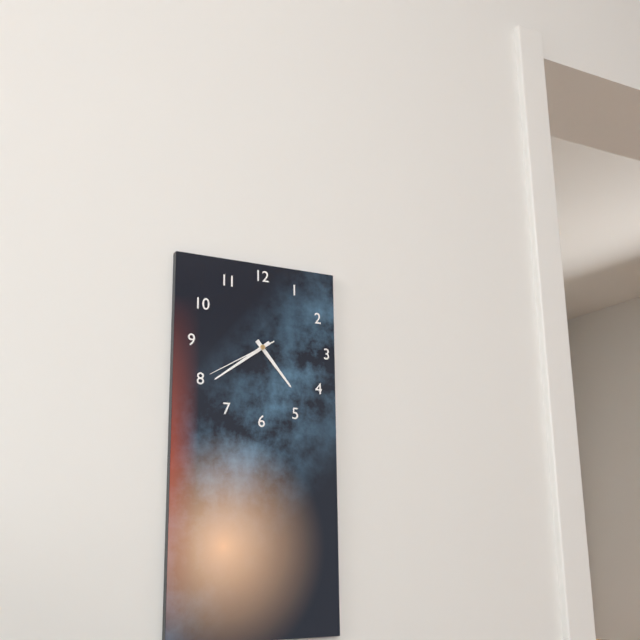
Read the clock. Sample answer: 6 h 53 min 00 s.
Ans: 4 h 39 min 40 s
